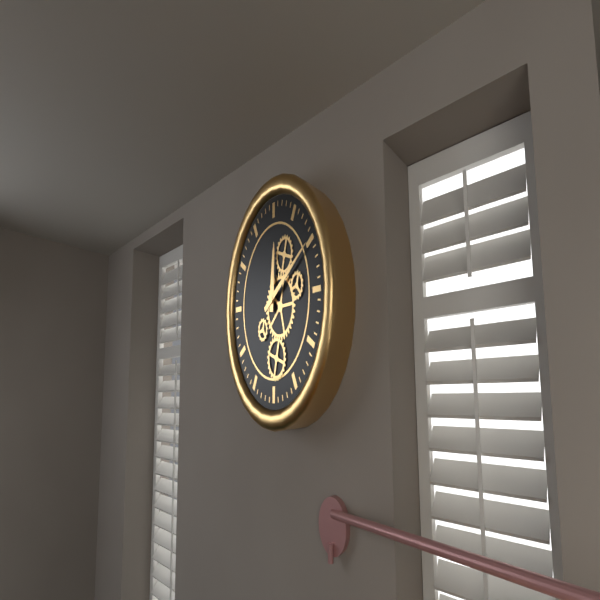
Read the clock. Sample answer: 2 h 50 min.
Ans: 12 h 10 min
